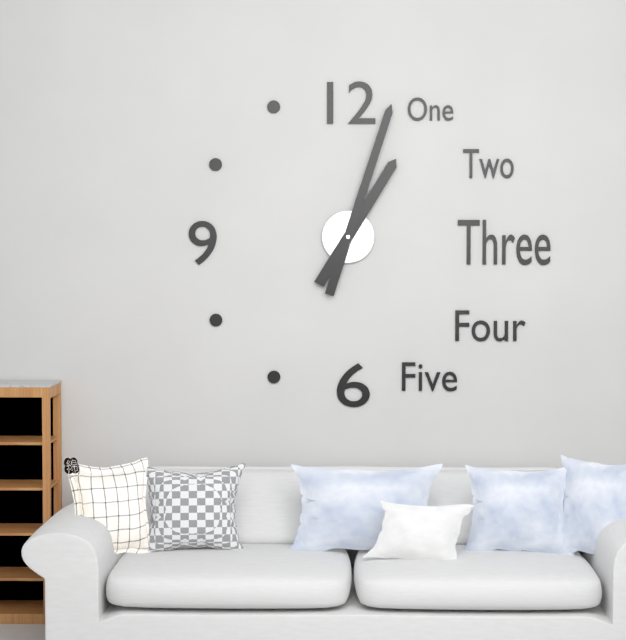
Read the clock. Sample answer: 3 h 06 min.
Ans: 1 h 03 min
